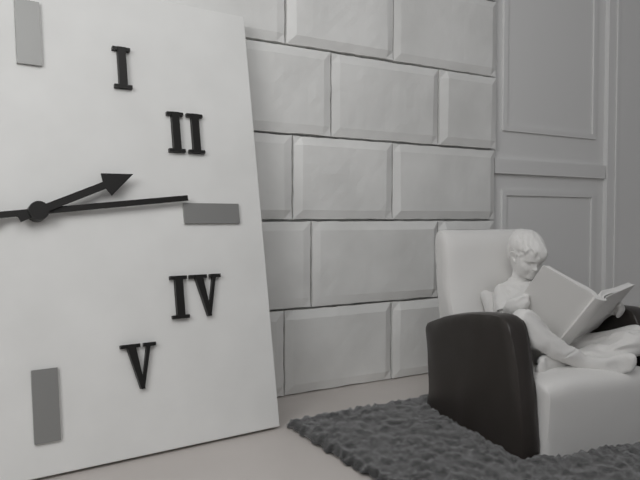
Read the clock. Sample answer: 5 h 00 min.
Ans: 2 h 14 min
